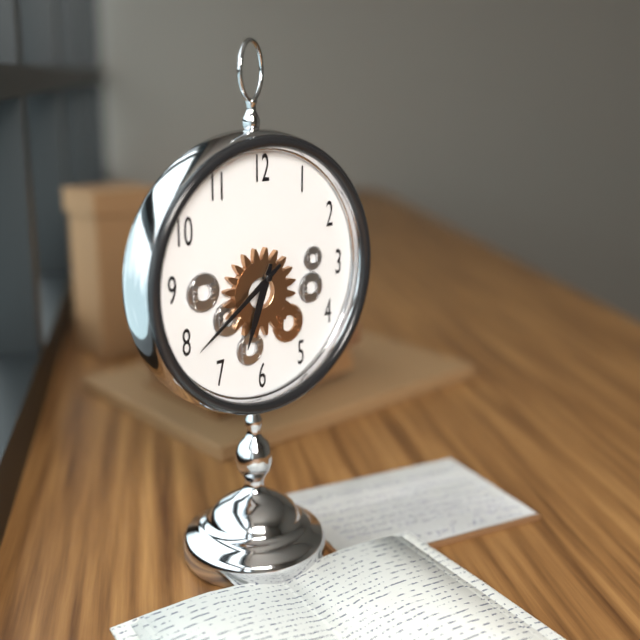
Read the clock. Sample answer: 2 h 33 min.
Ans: 6 h 39 min
